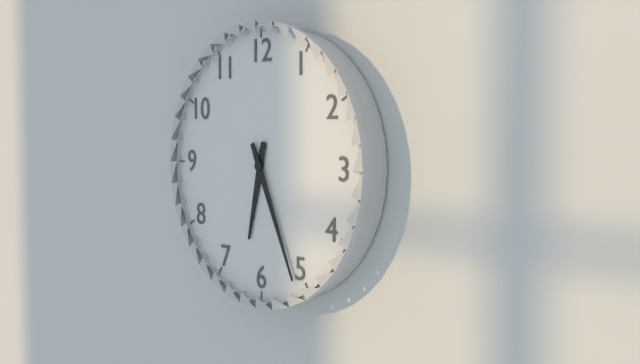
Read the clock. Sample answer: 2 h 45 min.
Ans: 6 h 26 min
